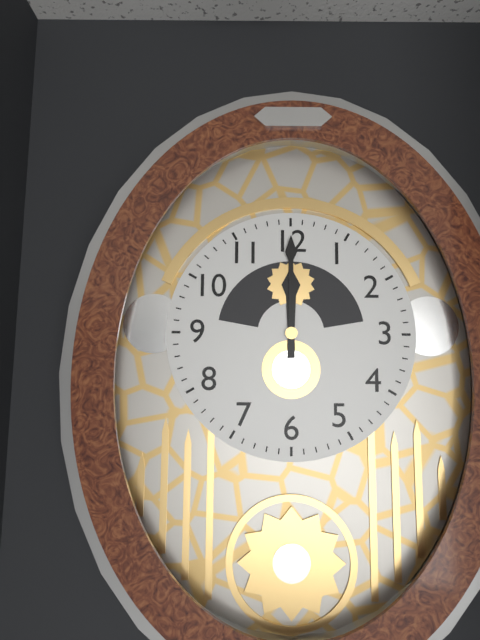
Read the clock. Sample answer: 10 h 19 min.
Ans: 12 h 00 min
